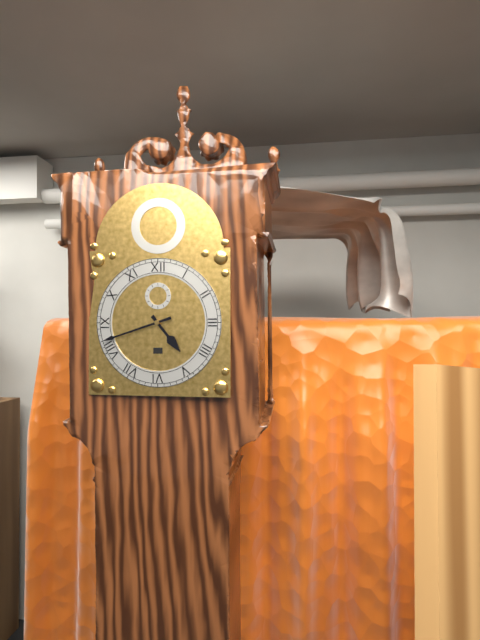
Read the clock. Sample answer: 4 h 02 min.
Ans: 4 h 42 min
